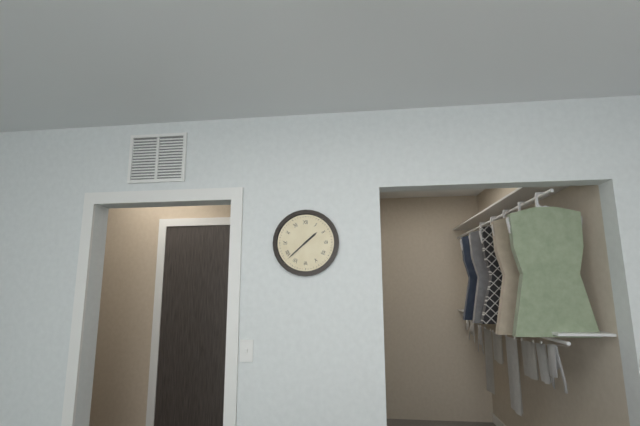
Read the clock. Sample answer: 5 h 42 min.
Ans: 1 h 38 min
